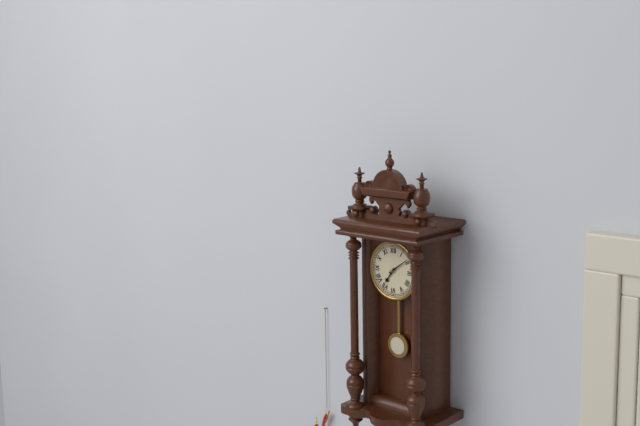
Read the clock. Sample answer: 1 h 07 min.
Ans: 7 h 09 min
